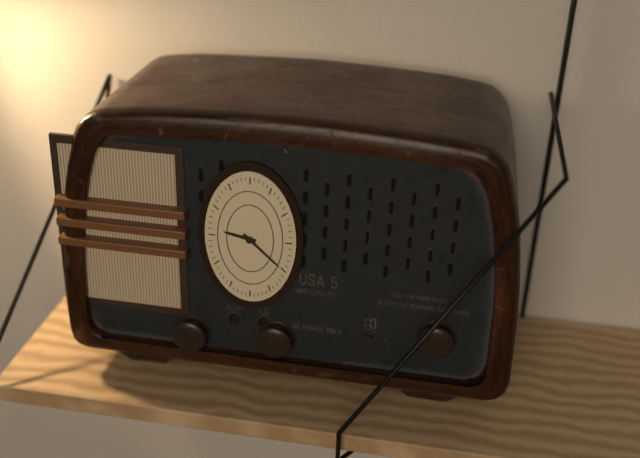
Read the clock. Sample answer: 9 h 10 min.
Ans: 9 h 22 min
